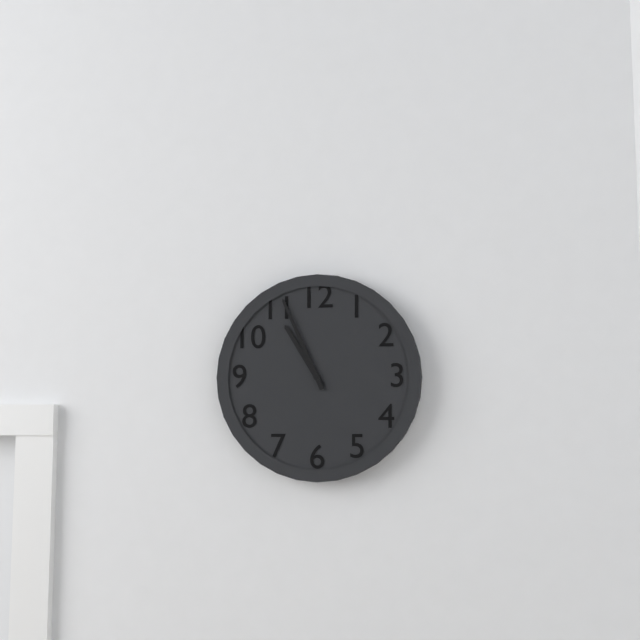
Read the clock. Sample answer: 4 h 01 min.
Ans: 10 h 56 min
